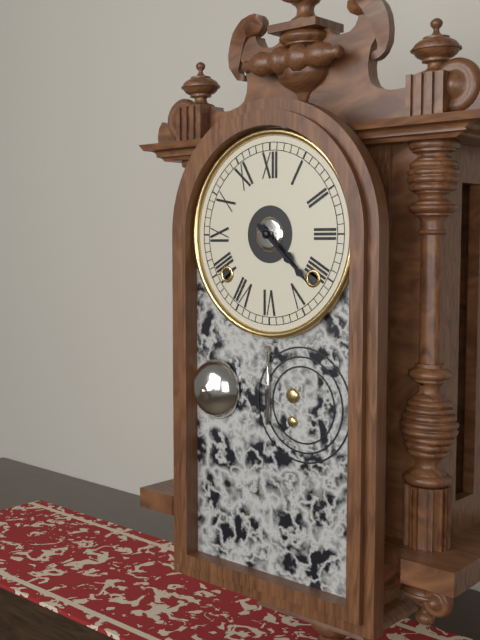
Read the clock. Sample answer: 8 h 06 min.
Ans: 4 h 22 min
